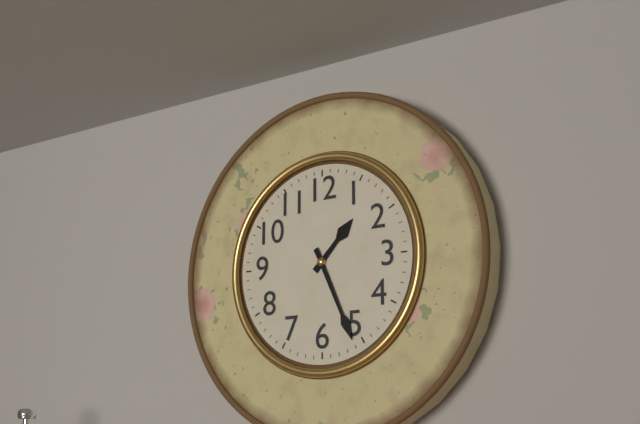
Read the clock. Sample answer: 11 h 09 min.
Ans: 1 h 26 min
